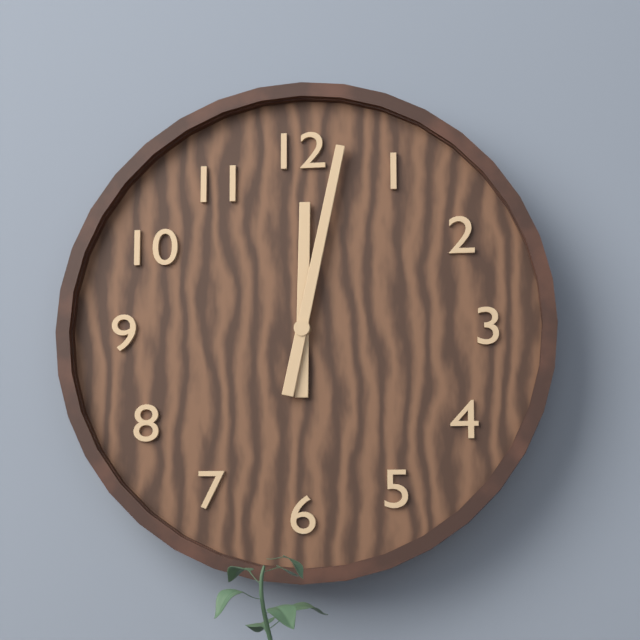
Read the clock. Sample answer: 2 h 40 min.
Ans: 12 h 02 min
